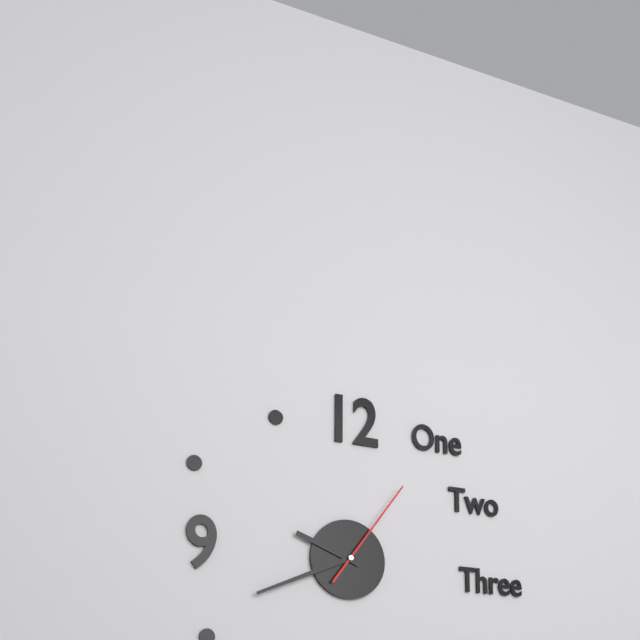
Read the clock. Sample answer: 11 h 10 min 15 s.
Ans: 9 h 41 min 06 s
